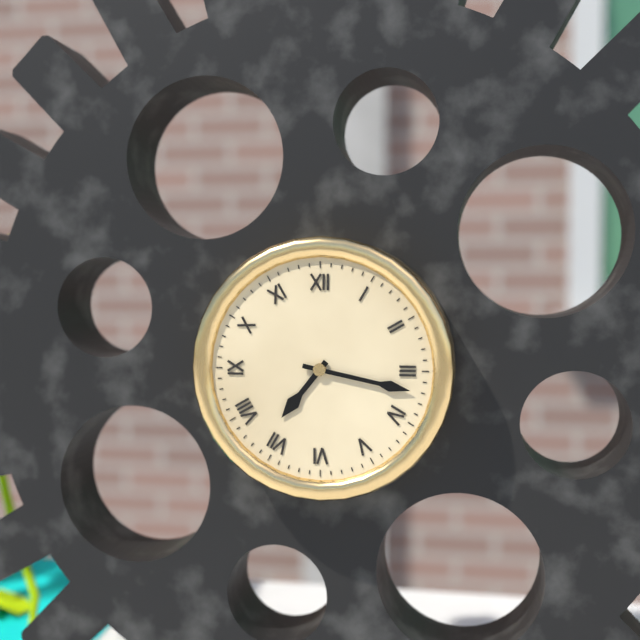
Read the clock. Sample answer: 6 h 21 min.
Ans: 7 h 17 min
